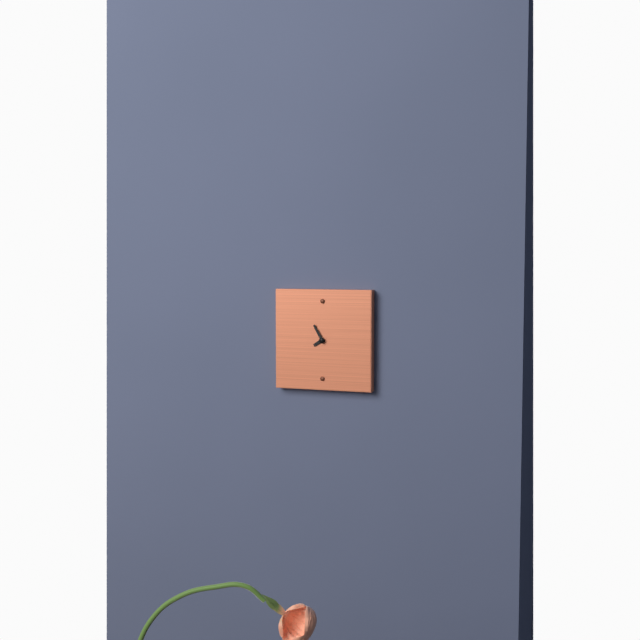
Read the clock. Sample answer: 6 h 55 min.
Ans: 7 h 55 min
